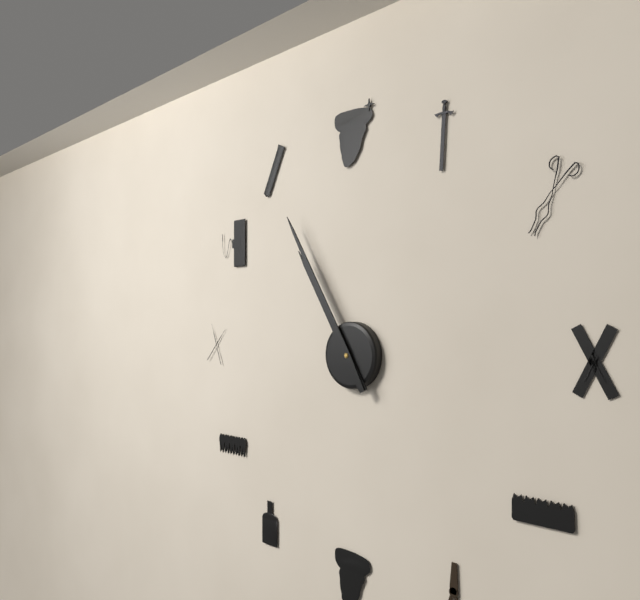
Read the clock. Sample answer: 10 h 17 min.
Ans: 10 h 55 min
